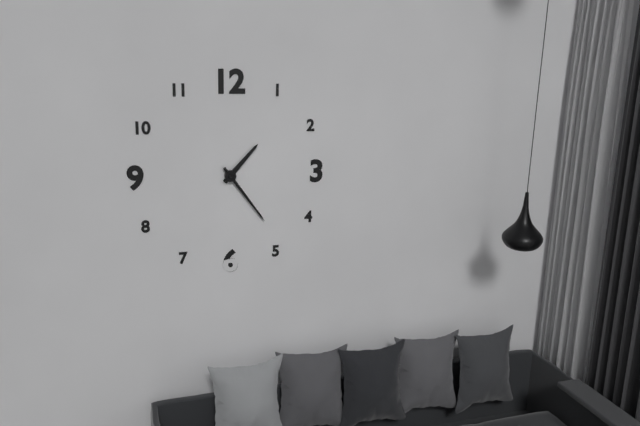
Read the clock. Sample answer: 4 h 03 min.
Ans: 1 h 24 min
